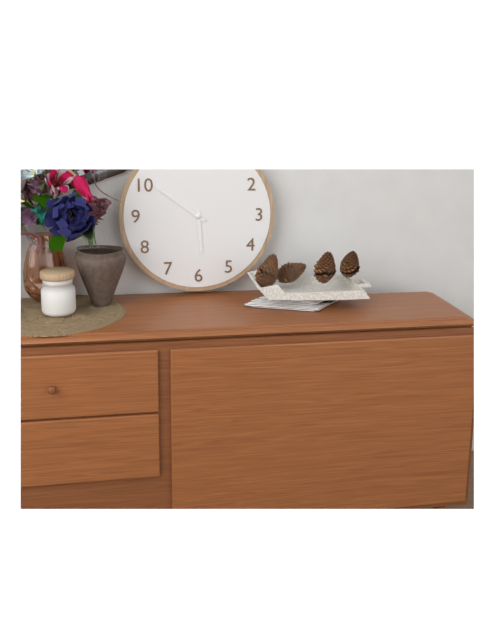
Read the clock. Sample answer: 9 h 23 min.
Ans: 5 h 51 min
